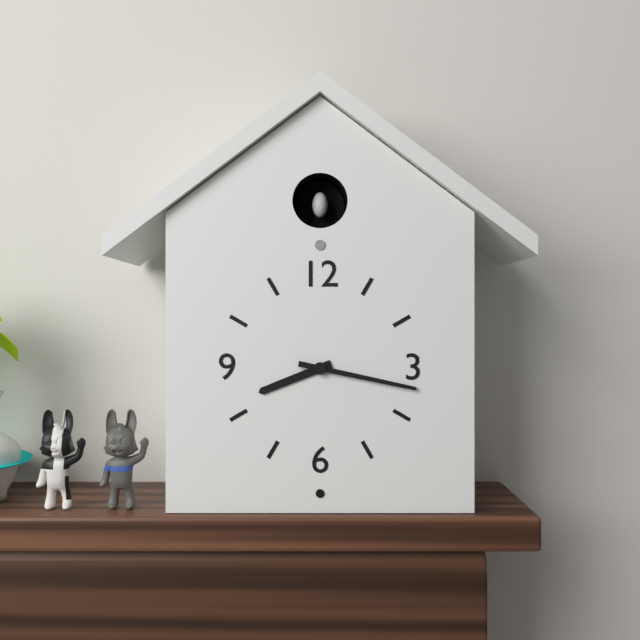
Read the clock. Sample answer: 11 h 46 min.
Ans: 8 h 17 min
